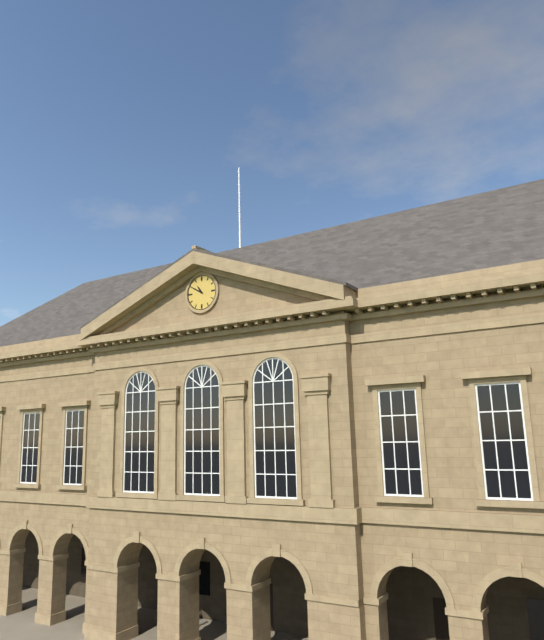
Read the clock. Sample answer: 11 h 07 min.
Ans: 10 h 50 min
